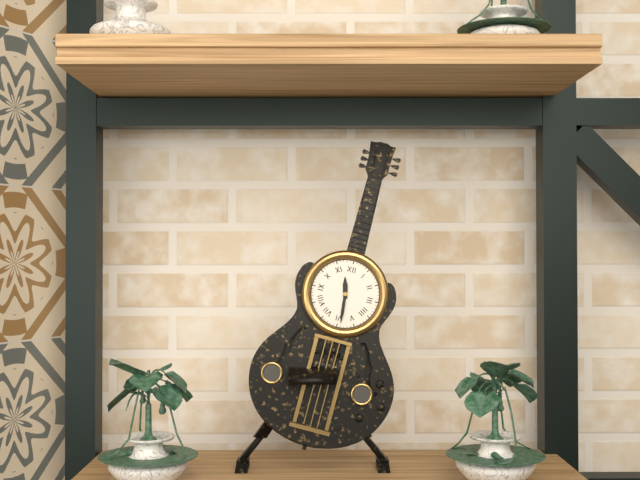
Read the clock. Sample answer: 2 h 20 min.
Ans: 11 h 29 min
